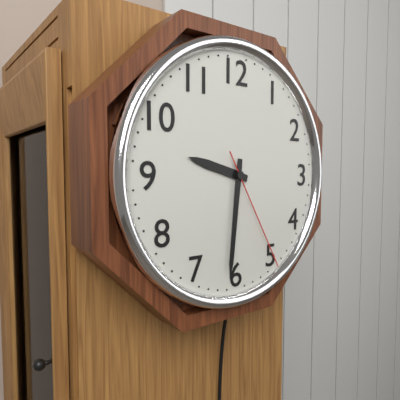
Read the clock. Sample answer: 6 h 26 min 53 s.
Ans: 9 h 31 min 25 s
